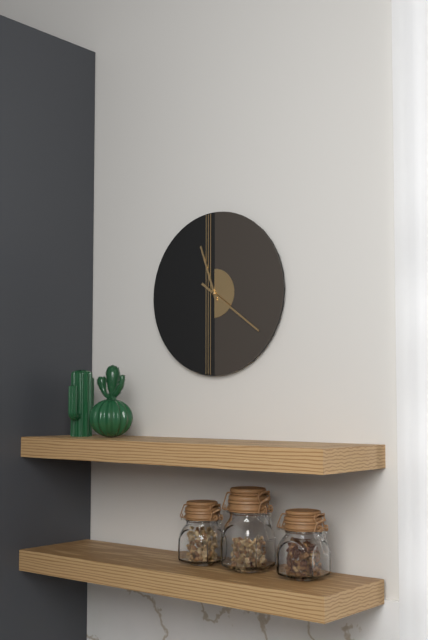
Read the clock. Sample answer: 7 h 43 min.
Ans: 11 h 21 min
